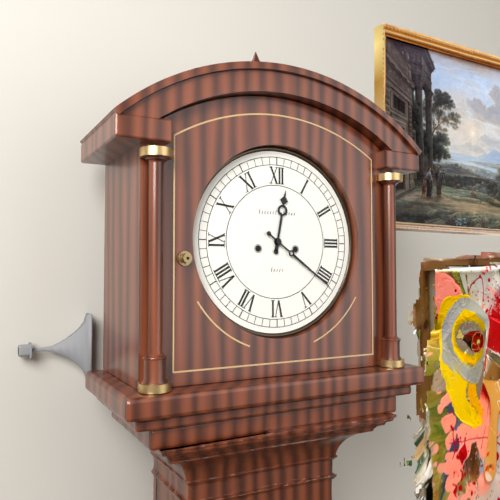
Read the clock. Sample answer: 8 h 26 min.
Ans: 12 h 21 min
